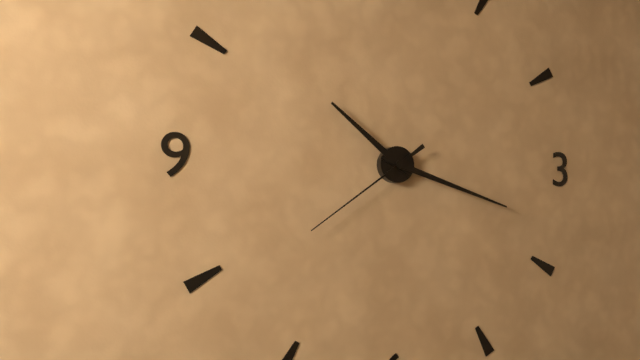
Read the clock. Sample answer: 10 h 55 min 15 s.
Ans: 10 h 18 min 39 s
